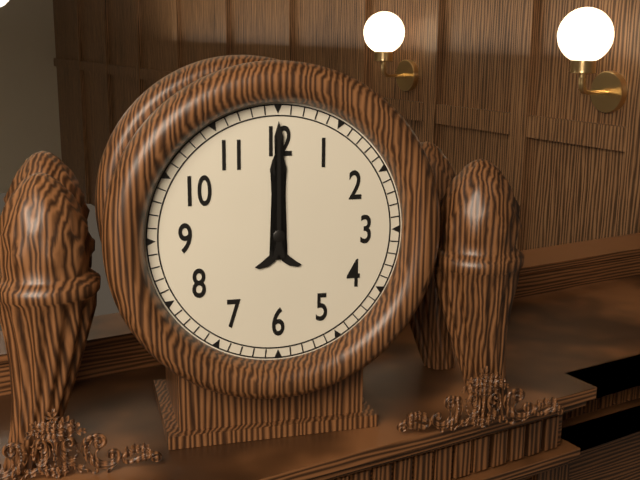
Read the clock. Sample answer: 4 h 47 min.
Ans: 12 h 00 min
